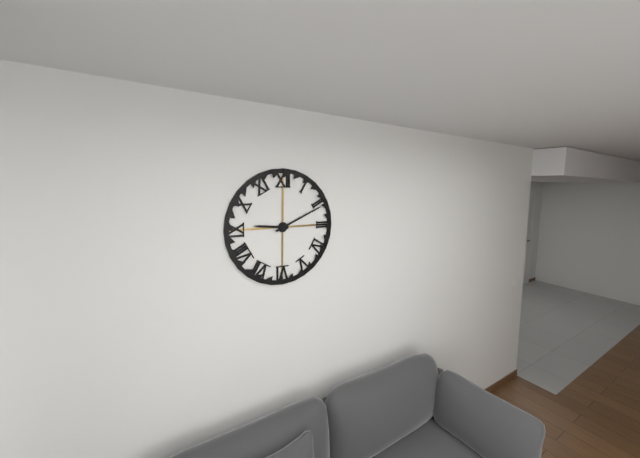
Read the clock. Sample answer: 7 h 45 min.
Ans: 9 h 11 min
